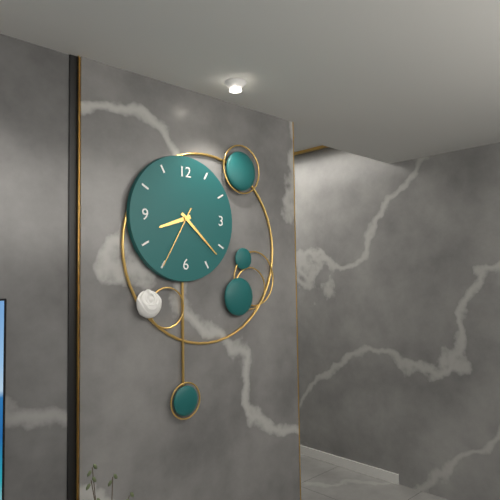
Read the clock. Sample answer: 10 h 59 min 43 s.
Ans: 8 h 22 min 35 s
